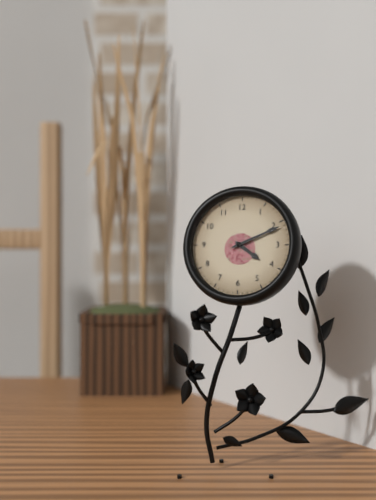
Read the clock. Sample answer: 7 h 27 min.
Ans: 4 h 11 min
